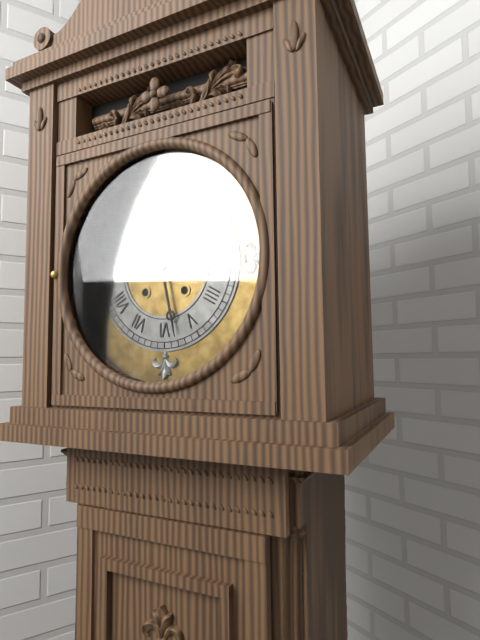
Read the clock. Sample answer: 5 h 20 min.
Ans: 10 h 28 min
